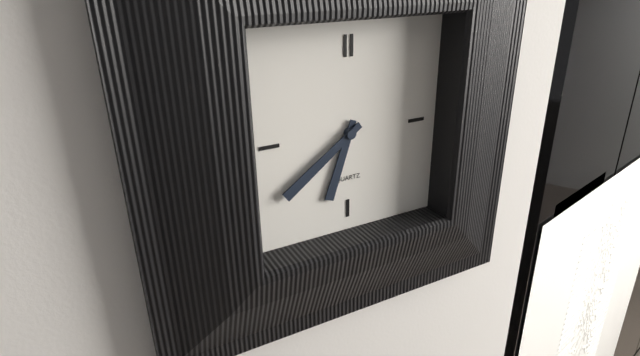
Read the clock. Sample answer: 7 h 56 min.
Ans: 6 h 39 min
